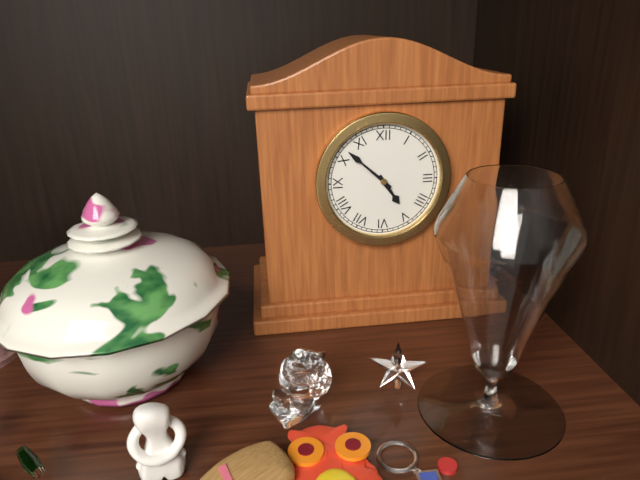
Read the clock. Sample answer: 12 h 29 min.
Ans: 4 h 52 min
